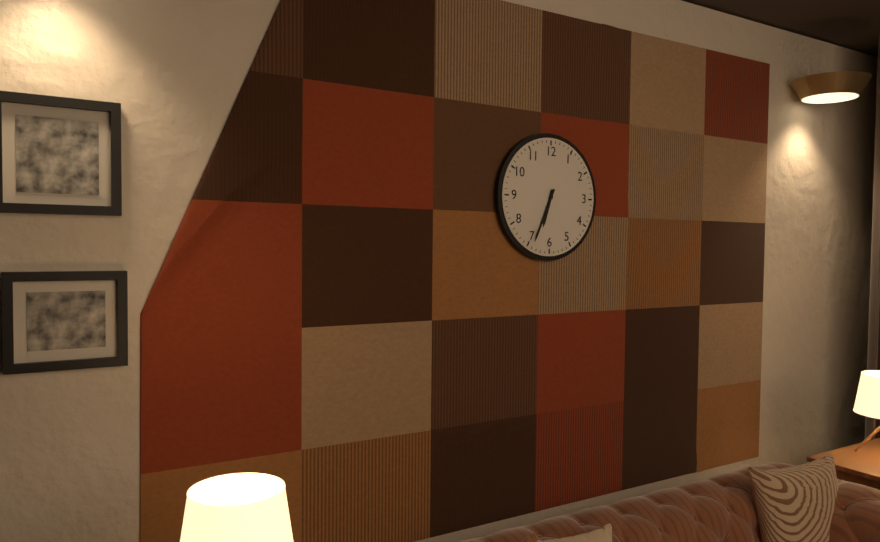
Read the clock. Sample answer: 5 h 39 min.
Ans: 6 h 34 min
